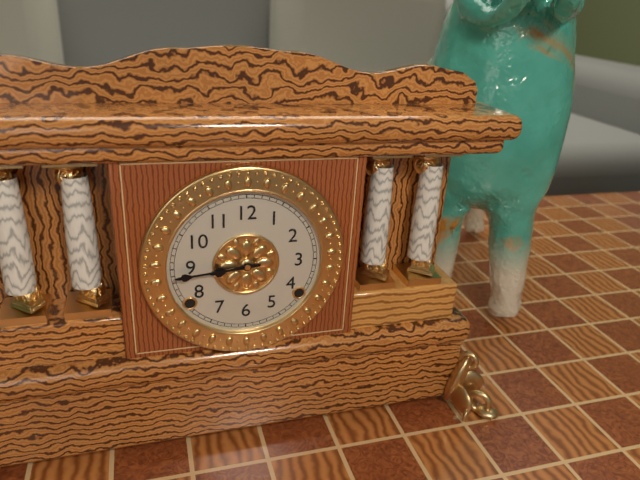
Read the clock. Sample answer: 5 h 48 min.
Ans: 8 h 44 min
